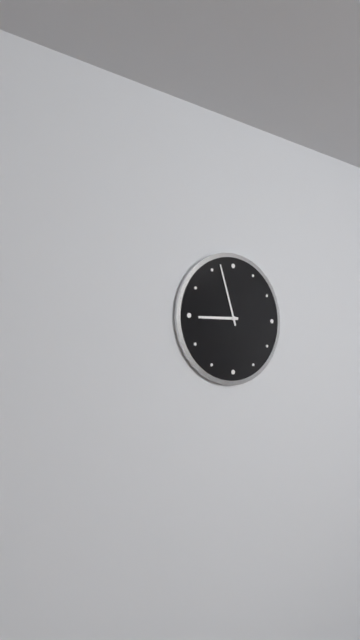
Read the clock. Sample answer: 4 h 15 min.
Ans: 8 h 57 min
